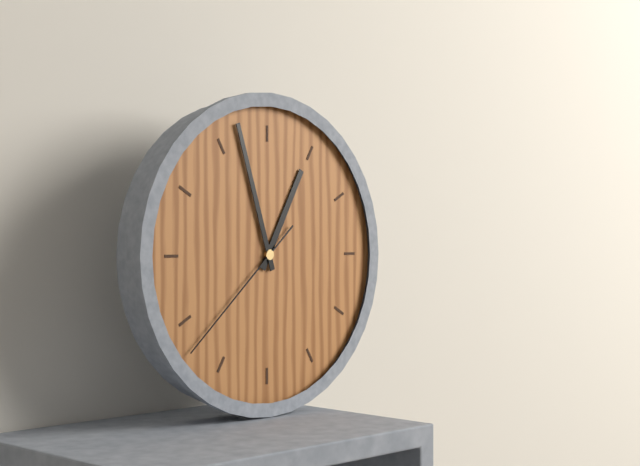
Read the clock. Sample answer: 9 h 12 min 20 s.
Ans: 12 h 57 min 38 s
